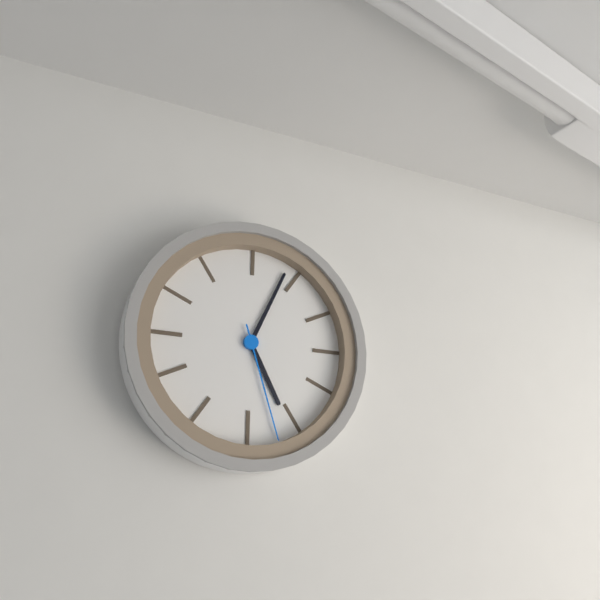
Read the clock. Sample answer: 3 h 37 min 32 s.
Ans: 5 h 04 min 27 s
